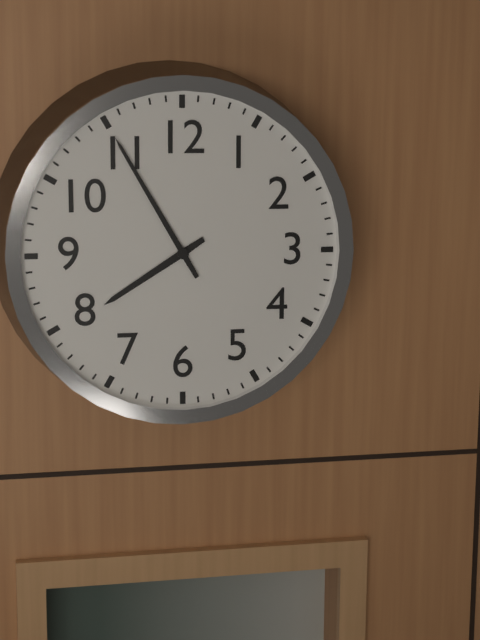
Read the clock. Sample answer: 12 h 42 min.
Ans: 7 h 55 min
